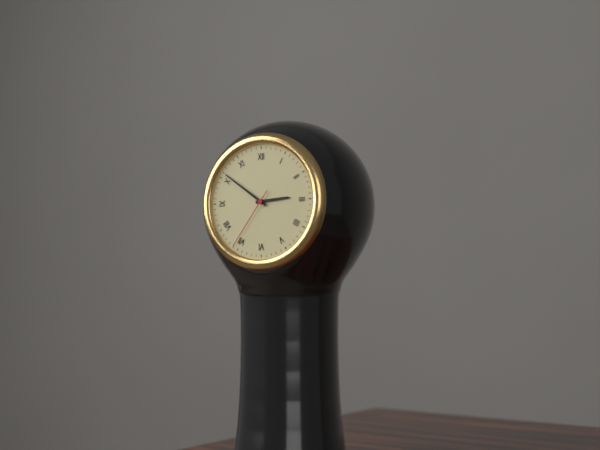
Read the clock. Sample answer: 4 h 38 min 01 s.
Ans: 2 h 51 min 36 s
